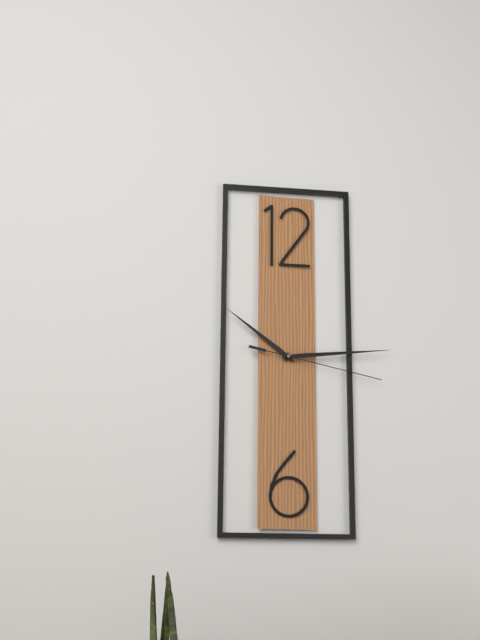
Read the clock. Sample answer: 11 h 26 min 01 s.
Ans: 10 h 14 min 17 s
